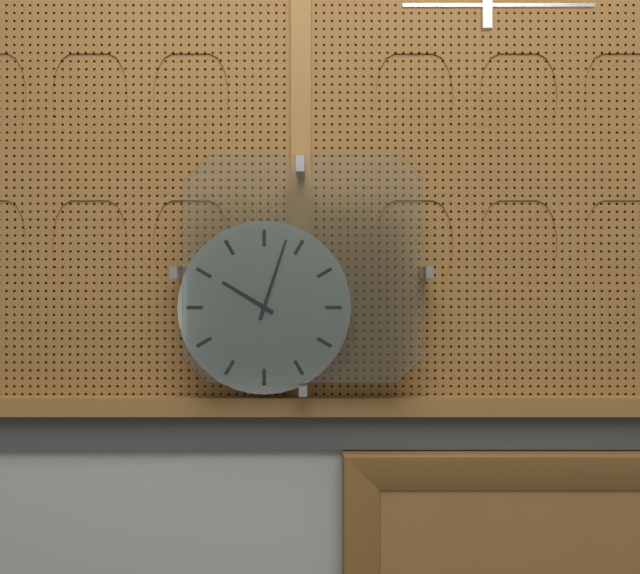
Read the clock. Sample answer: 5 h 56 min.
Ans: 10 h 03 min
